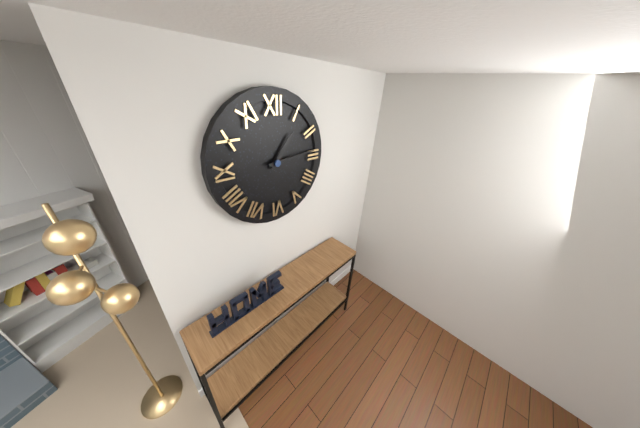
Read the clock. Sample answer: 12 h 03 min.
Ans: 1 h 14 min
